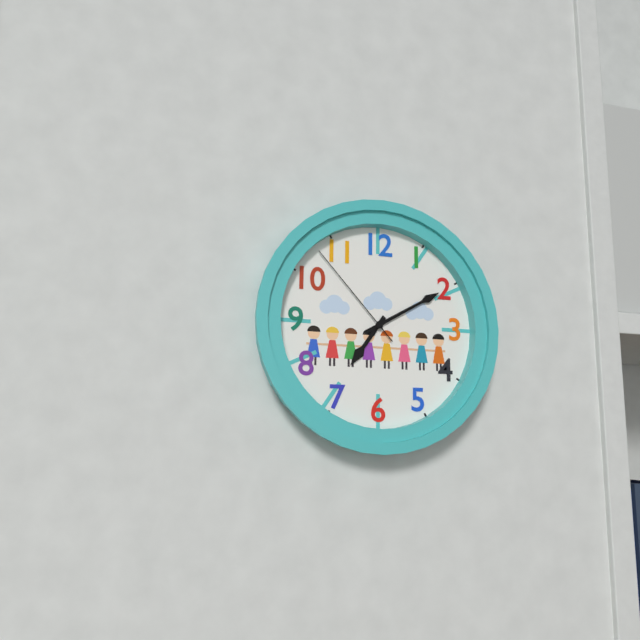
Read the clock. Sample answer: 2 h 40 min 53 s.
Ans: 7 h 10 min 53 s
